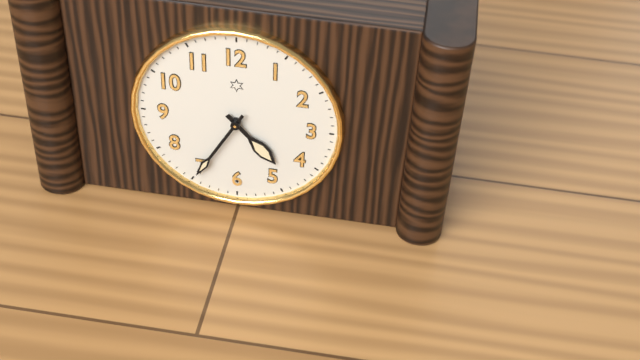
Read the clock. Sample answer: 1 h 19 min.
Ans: 4 h 35 min
